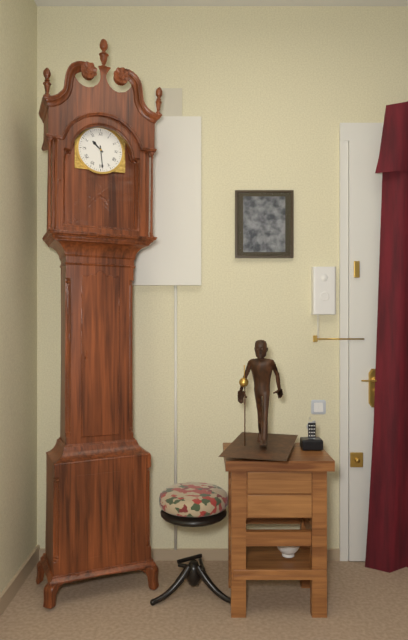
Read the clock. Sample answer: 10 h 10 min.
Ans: 10 h 29 min
